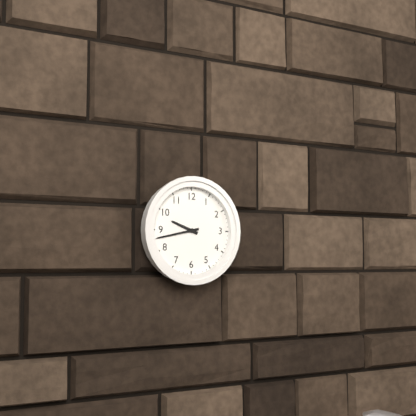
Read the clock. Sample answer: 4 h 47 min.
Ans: 9 h 43 min
